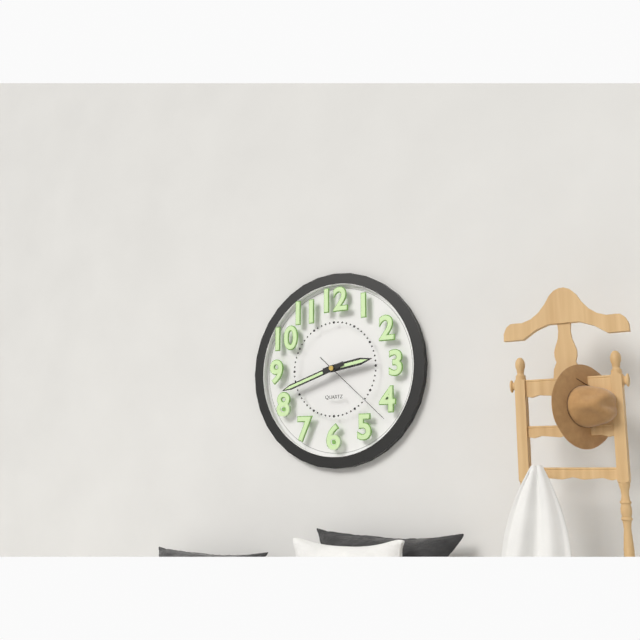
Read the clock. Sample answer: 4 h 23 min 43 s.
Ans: 2 h 42 min 22 s
